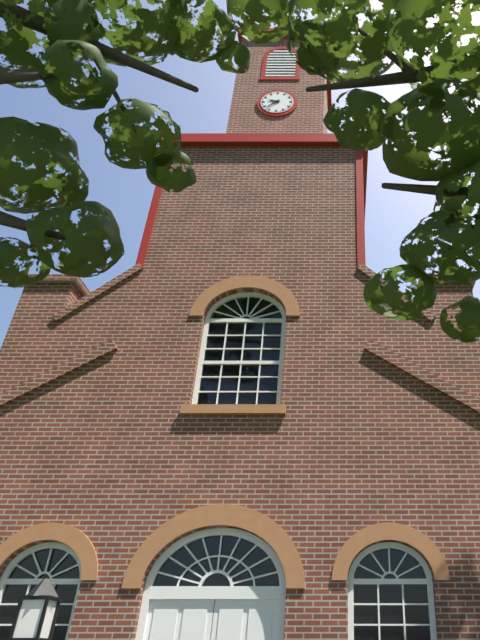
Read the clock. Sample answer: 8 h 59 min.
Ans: 9 h 38 min
